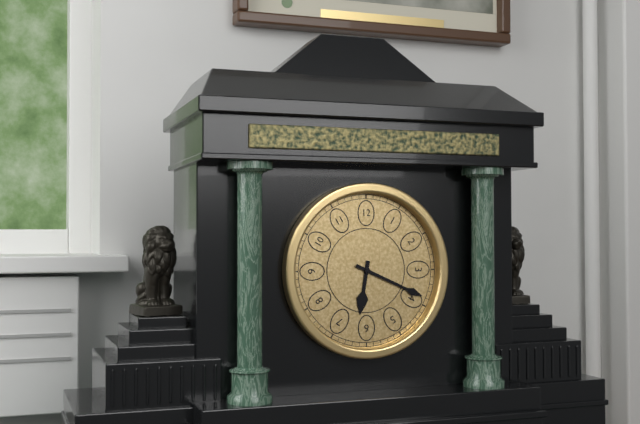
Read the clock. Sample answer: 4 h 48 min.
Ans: 6 h 19 min
